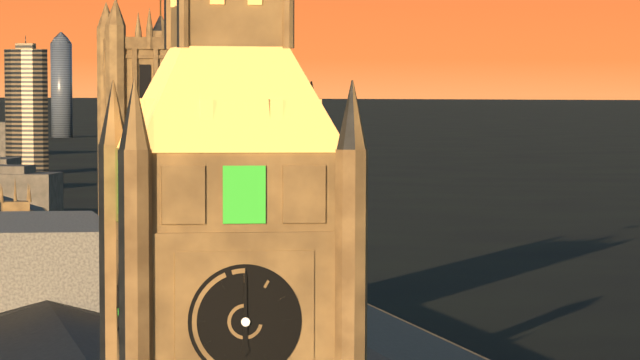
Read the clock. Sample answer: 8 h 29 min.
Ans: 6 h 00 min
